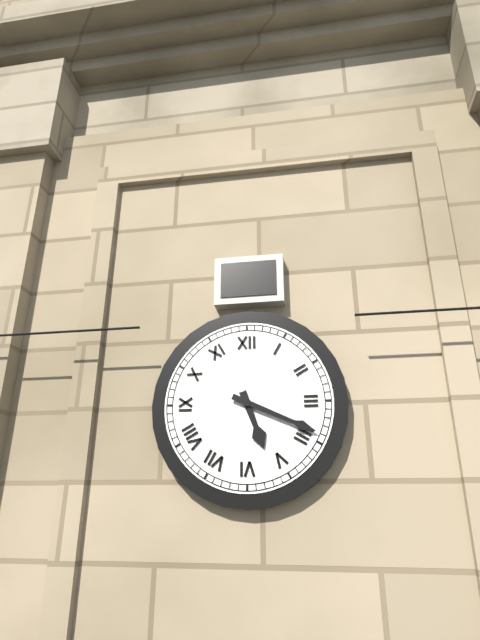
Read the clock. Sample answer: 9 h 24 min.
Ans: 5 h 19 min
